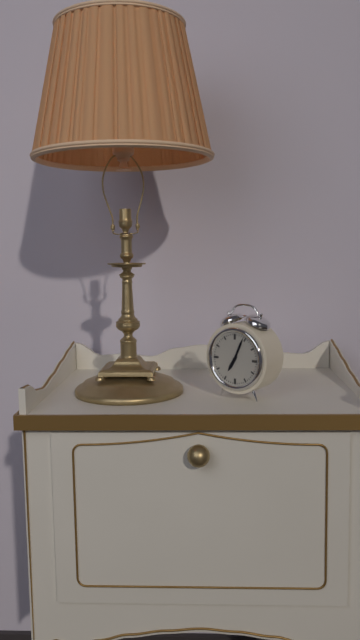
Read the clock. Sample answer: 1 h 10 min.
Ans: 7 h 04 min
